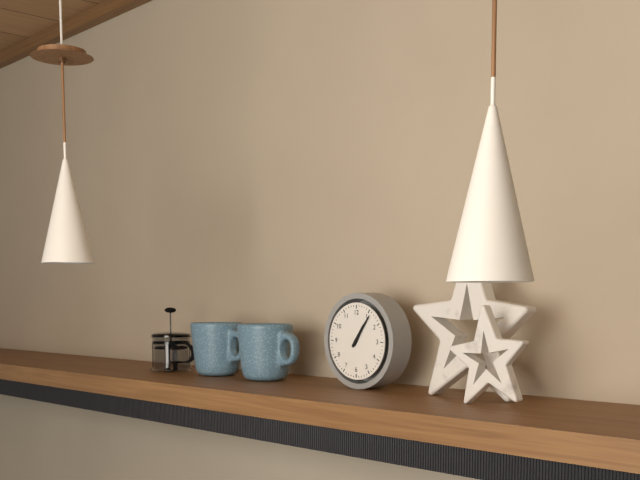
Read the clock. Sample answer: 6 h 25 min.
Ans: 1 h 06 min
